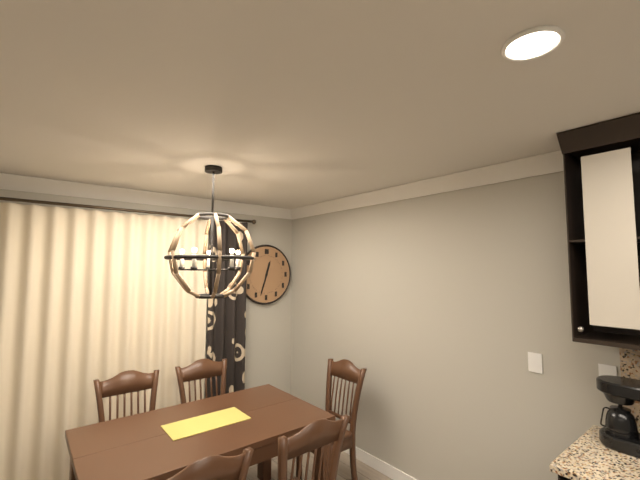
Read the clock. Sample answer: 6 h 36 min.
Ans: 12 h 33 min
